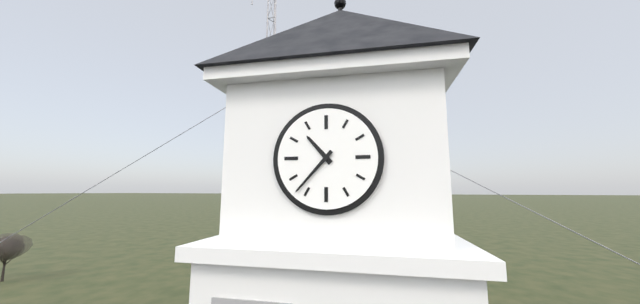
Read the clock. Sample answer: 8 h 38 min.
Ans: 10 h 37 min
